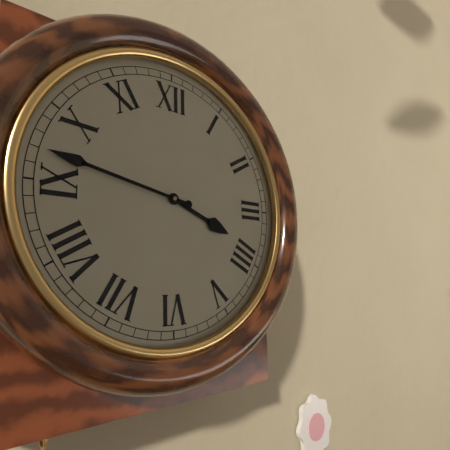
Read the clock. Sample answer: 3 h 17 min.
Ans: 3 h 47 min
